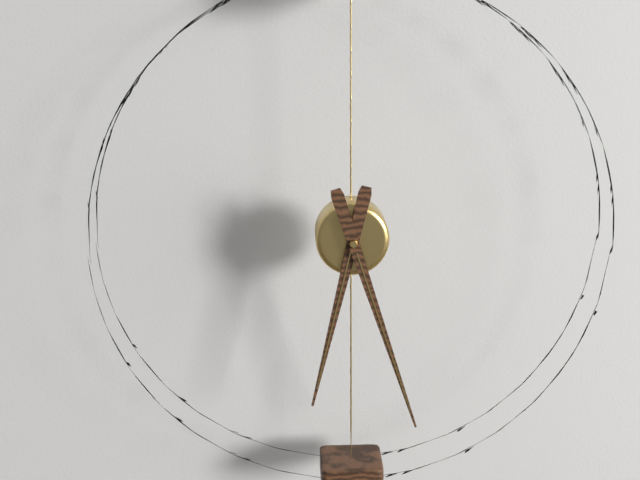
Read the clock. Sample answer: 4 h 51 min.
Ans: 6 h 27 min
